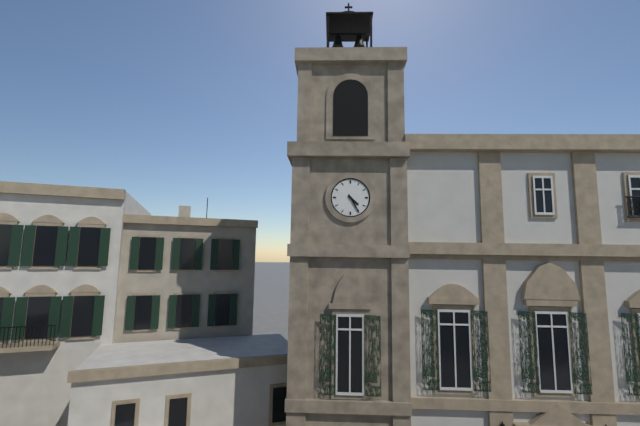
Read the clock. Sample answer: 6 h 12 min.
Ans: 4 h 25 min
